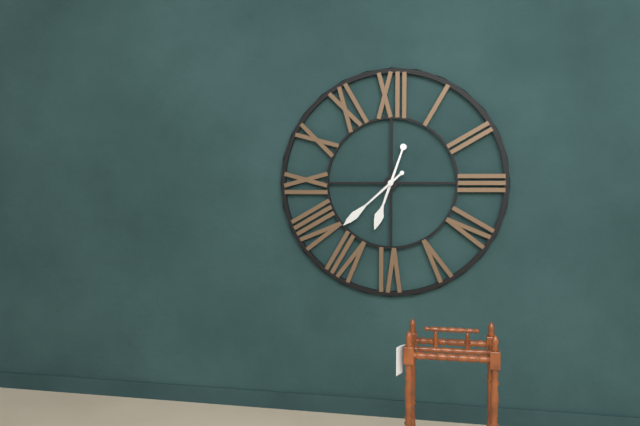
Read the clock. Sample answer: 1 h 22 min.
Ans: 6 h 38 min
